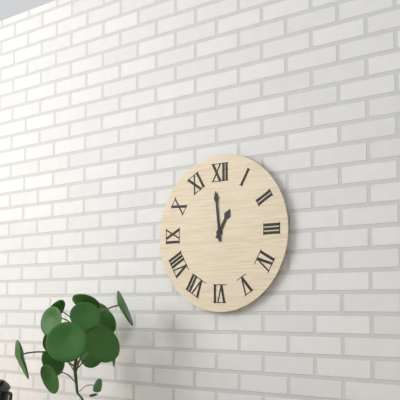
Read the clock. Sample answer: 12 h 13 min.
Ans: 12 h 59 min
